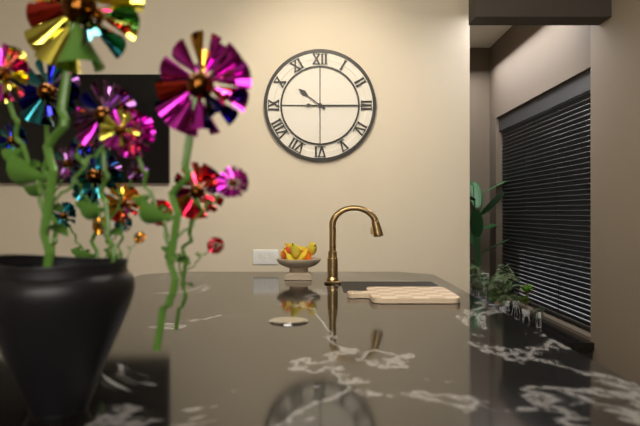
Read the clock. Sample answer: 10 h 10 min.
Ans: 10 h 15 min
